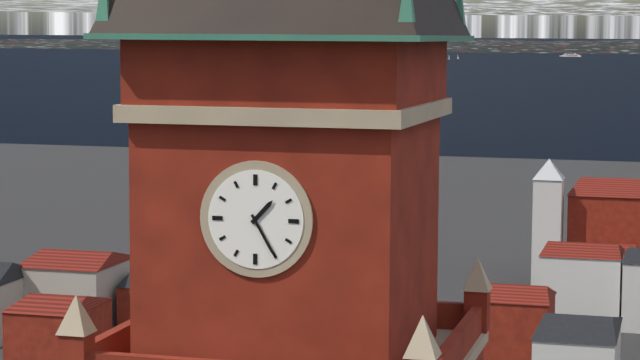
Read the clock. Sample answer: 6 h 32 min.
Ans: 1 h 25 min
